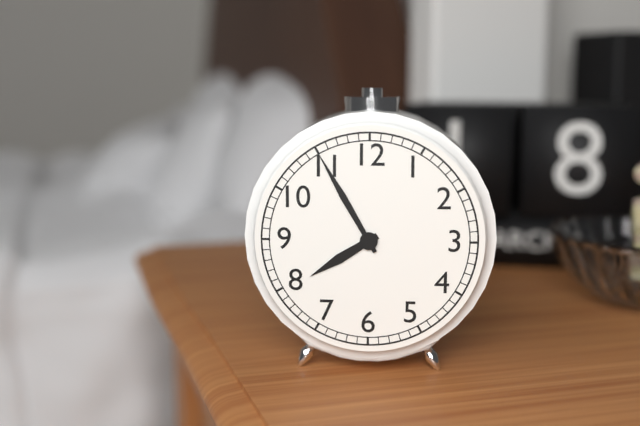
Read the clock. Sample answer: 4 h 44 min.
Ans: 7 h 55 min
